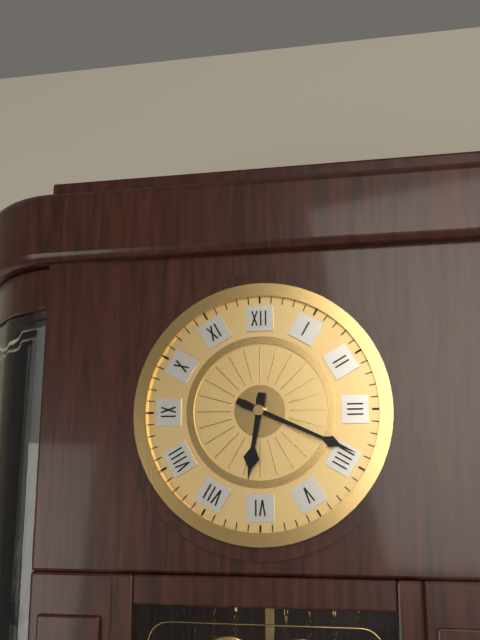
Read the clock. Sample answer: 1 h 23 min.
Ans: 6 h 19 min
